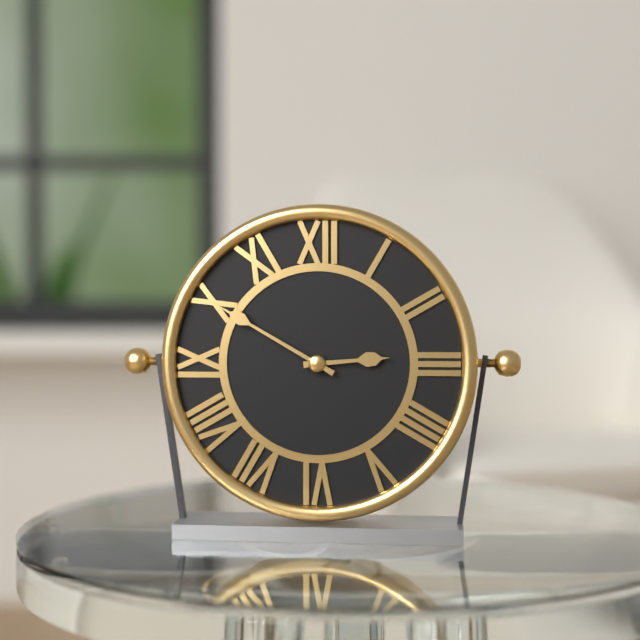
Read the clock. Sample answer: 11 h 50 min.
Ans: 2 h 50 min
